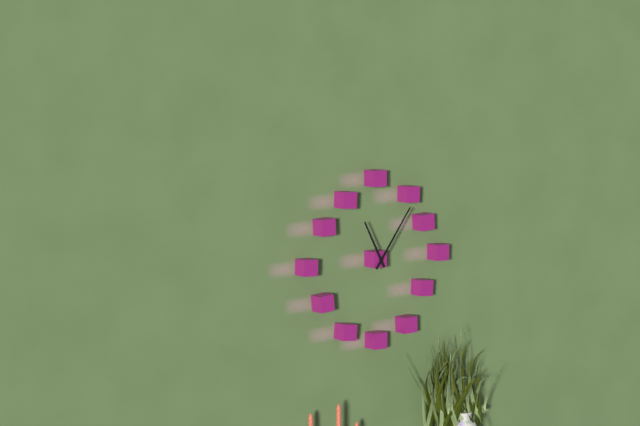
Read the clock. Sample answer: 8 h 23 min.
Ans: 11 h 06 min
